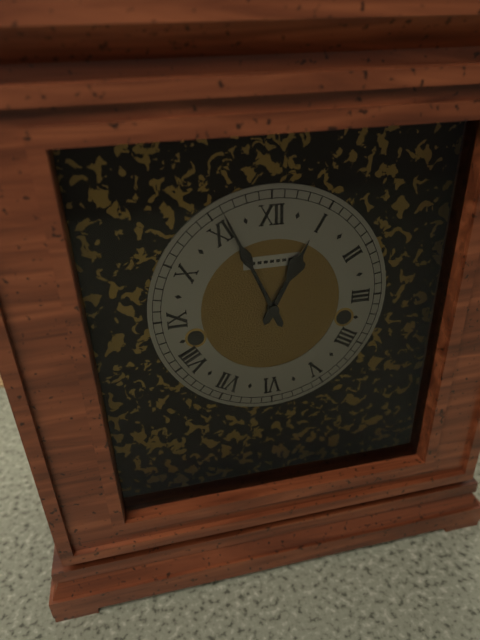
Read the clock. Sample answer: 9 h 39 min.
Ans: 12 h 56 min
